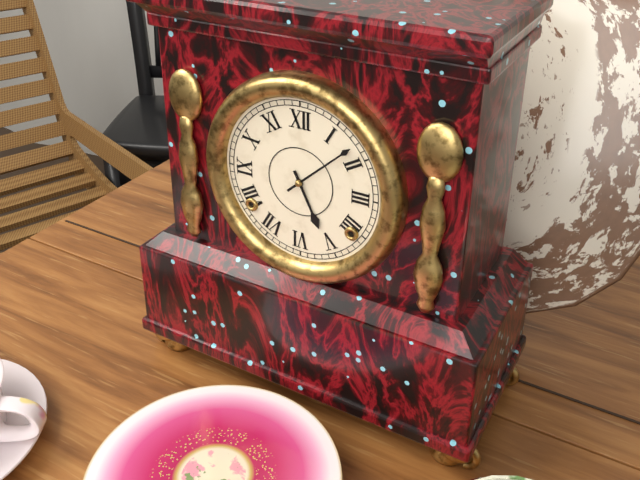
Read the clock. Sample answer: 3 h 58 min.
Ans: 5 h 08 min
